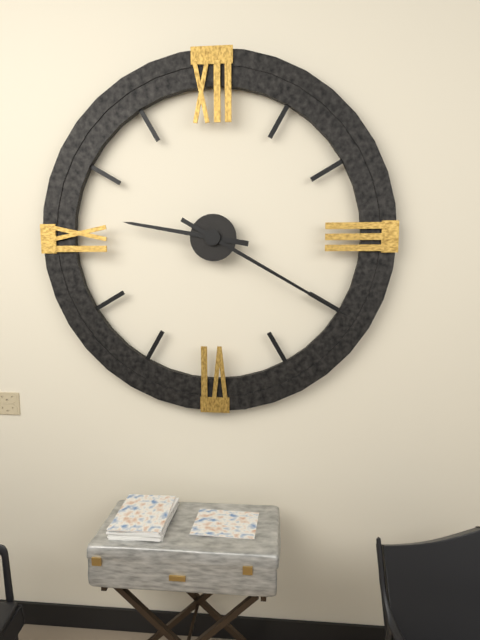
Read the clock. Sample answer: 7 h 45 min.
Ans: 9 h 20 min
